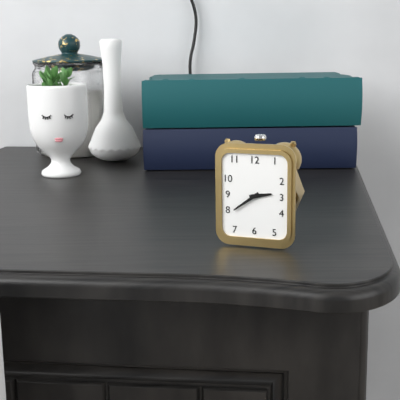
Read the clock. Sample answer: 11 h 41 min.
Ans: 2 h 39 min
